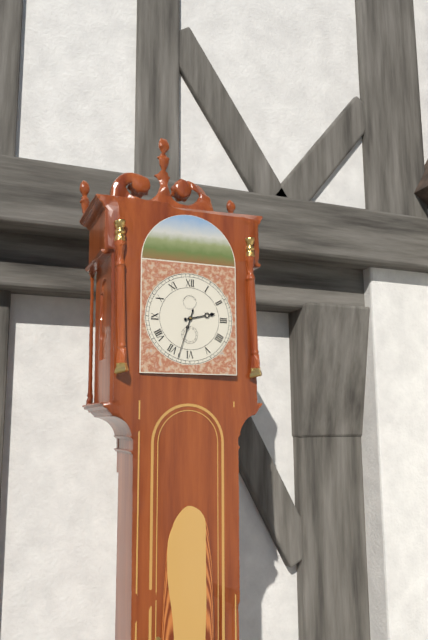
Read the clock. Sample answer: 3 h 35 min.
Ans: 2 h 33 min
